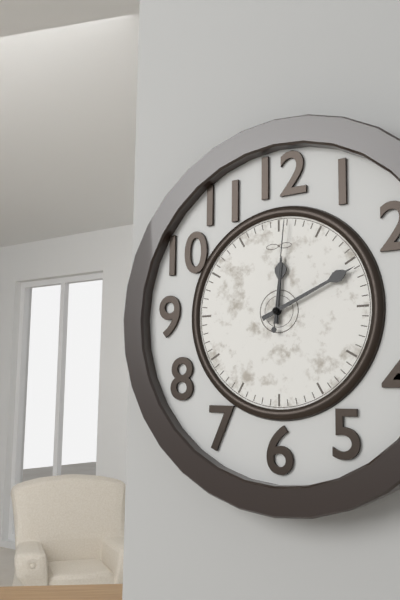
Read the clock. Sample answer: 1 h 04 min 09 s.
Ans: 12 h 11 min 01 s
